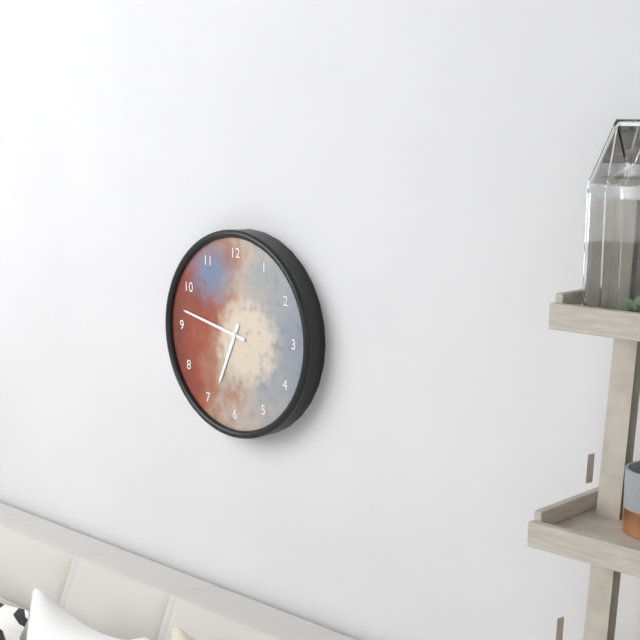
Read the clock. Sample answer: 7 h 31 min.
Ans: 6 h 47 min
